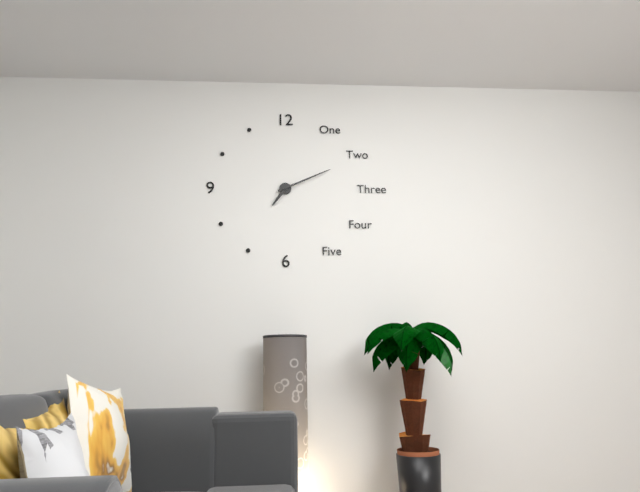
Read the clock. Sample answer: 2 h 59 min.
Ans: 7 h 11 min
